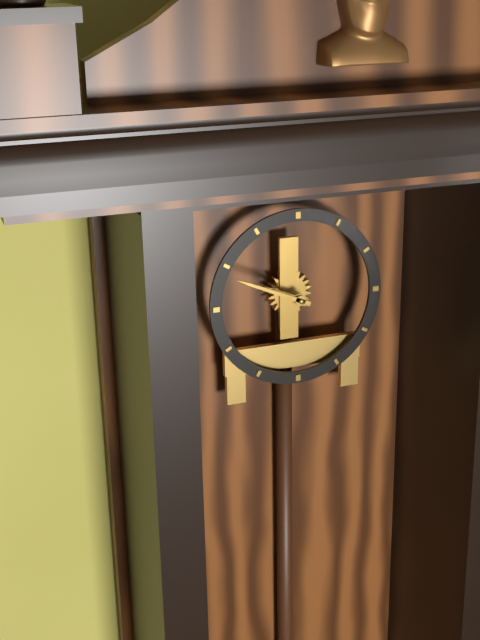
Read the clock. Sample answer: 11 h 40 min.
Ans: 9 h 49 min
